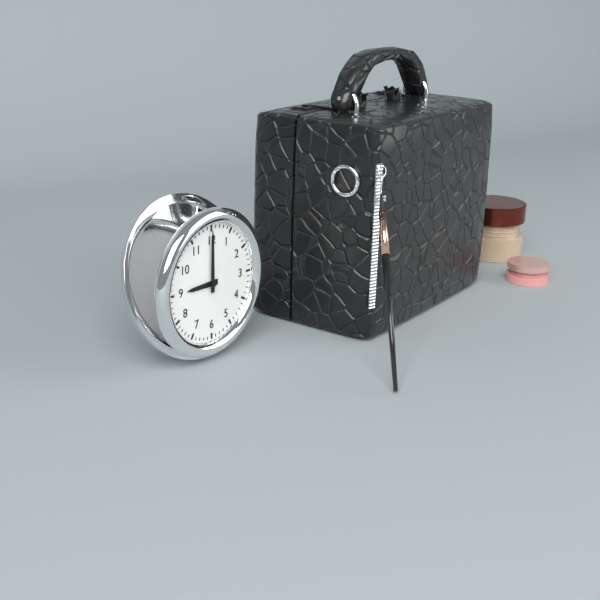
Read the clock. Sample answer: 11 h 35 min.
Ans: 9 h 00 min
